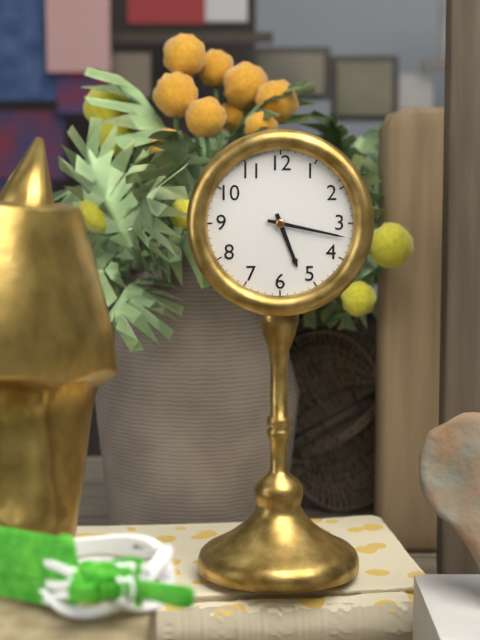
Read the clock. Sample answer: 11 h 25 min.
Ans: 5 h 17 min
